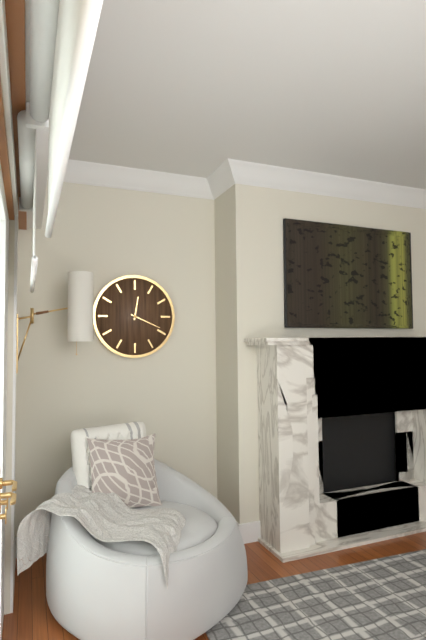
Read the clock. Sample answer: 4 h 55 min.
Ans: 12 h 19 min
